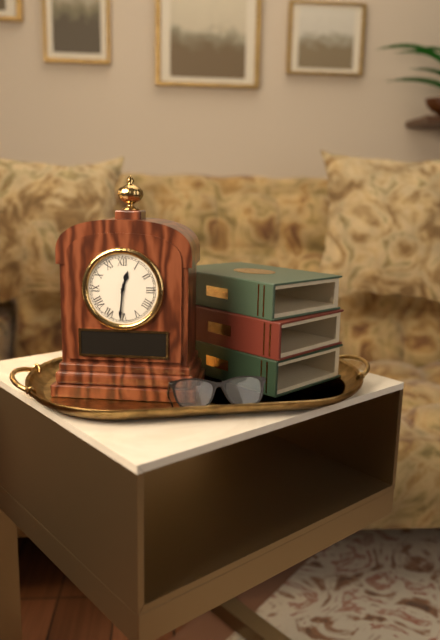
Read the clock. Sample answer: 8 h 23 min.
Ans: 12 h 31 min
